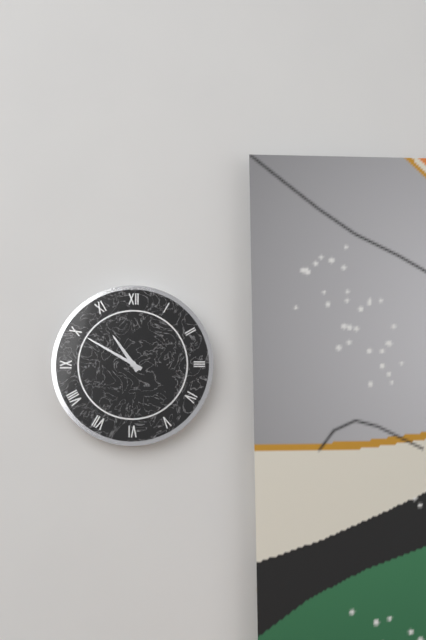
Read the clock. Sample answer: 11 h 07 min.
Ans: 10 h 50 min
